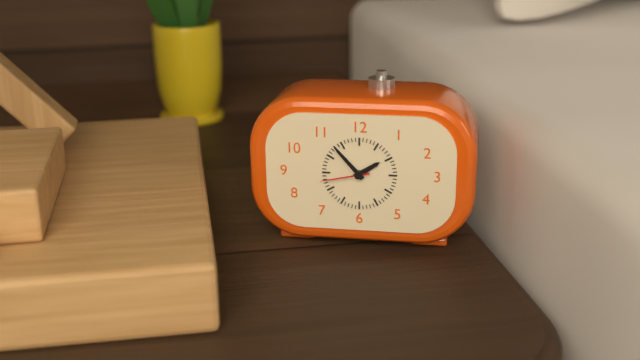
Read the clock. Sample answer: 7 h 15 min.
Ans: 1 h 53 min
